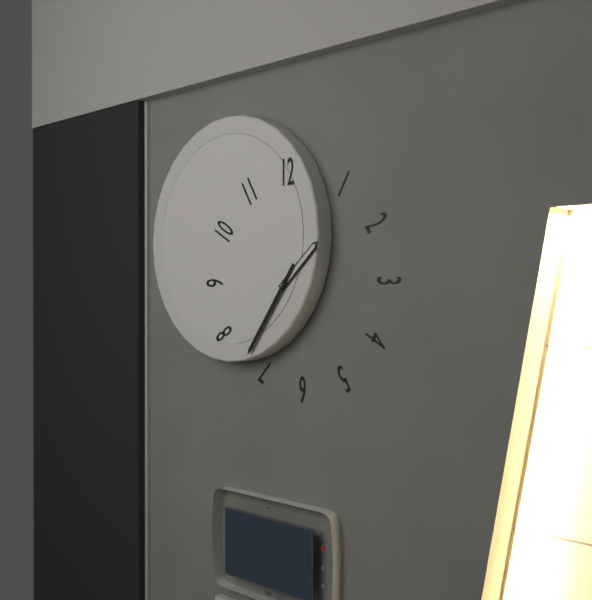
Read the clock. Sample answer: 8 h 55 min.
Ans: 1 h 36 min
